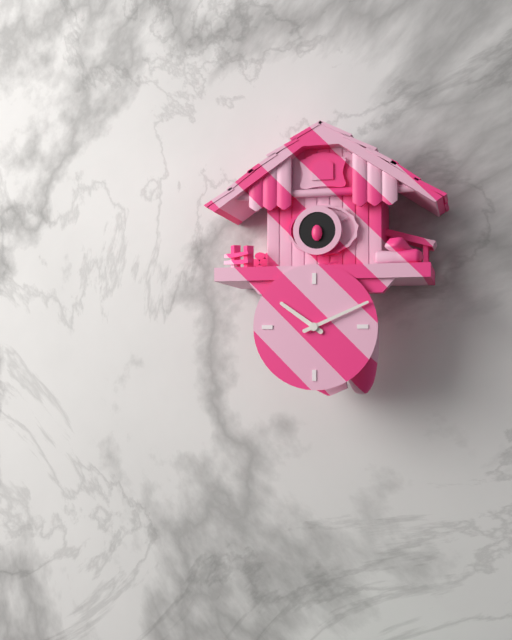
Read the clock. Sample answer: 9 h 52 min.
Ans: 10 h 11 min
